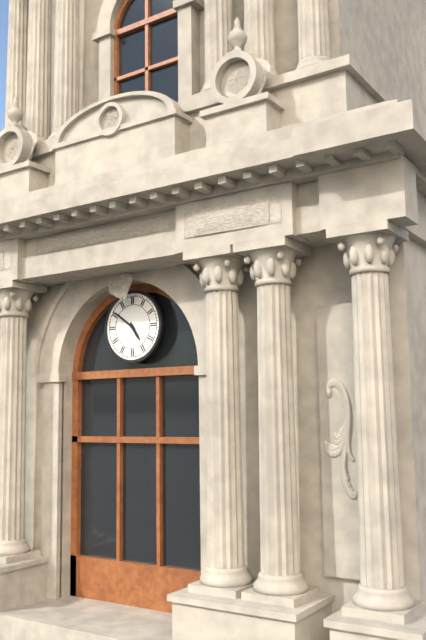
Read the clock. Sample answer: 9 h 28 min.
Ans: 4 h 51 min
